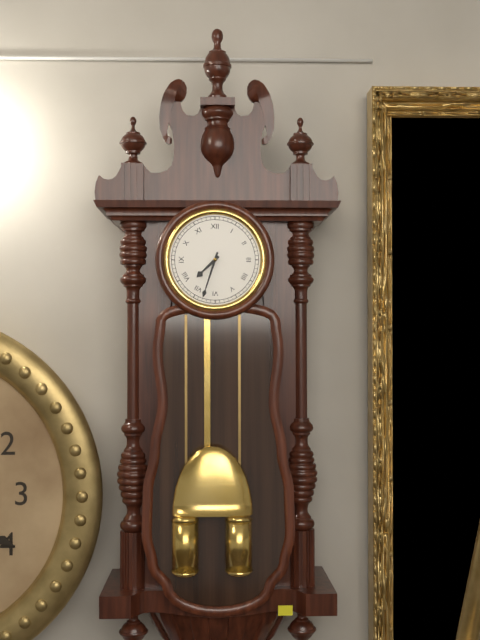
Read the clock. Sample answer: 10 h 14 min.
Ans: 7 h 33 min
